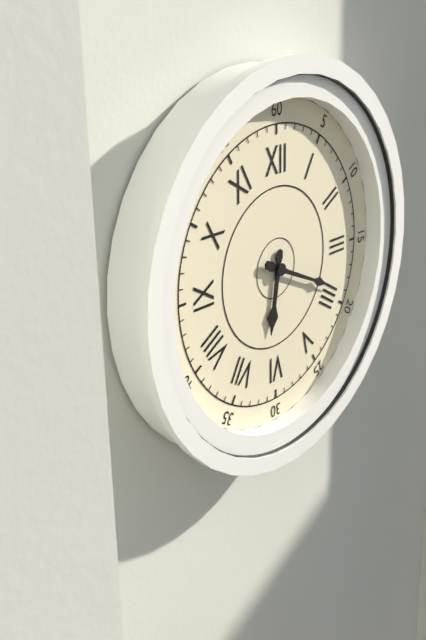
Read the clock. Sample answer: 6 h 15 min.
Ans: 6 h 19 min
